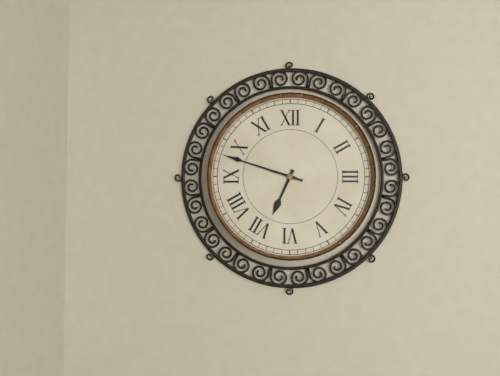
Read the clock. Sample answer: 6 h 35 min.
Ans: 6 h 48 min
